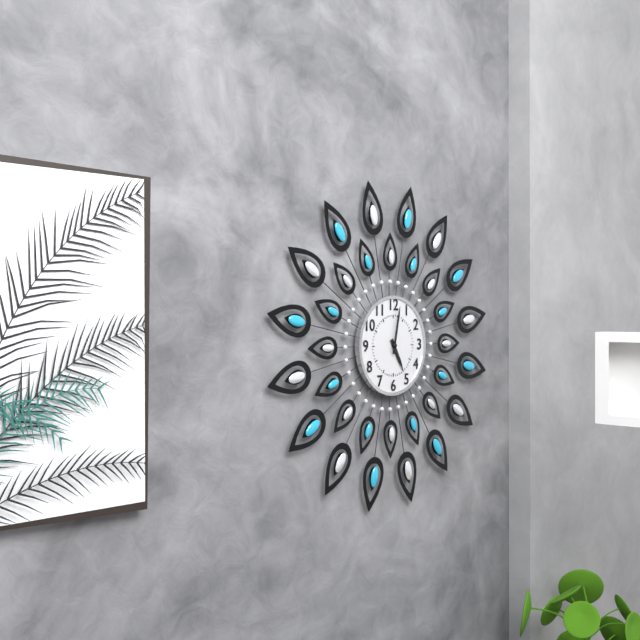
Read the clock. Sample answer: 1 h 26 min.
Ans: 5 h 02 min
